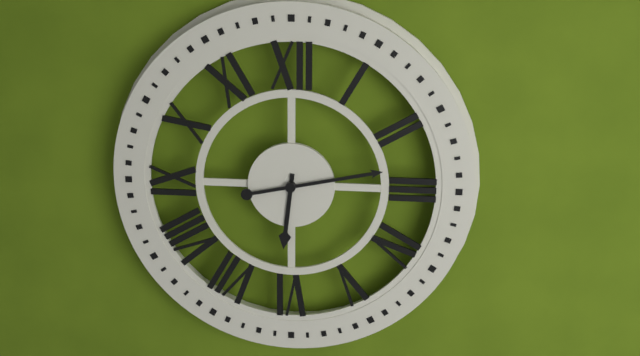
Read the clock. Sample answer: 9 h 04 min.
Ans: 6 h 13 min
